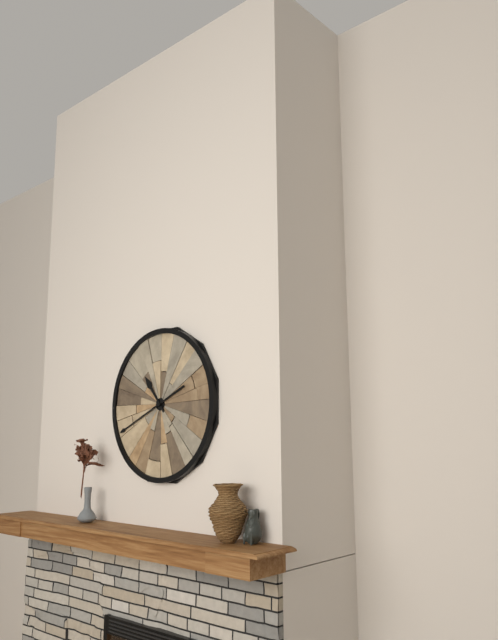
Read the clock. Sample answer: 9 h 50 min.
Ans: 10 h 41 min
